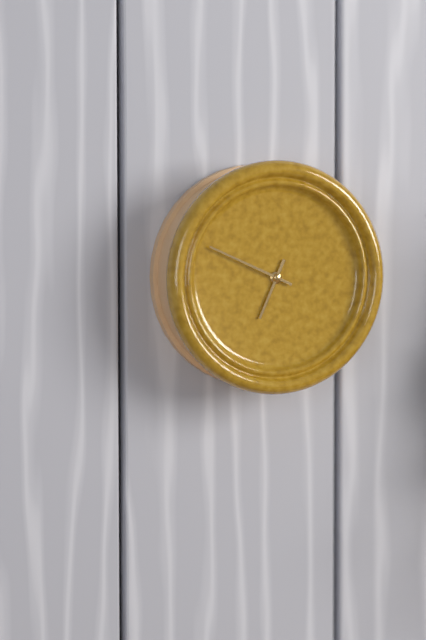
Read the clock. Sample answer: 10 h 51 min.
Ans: 6 h 49 min
